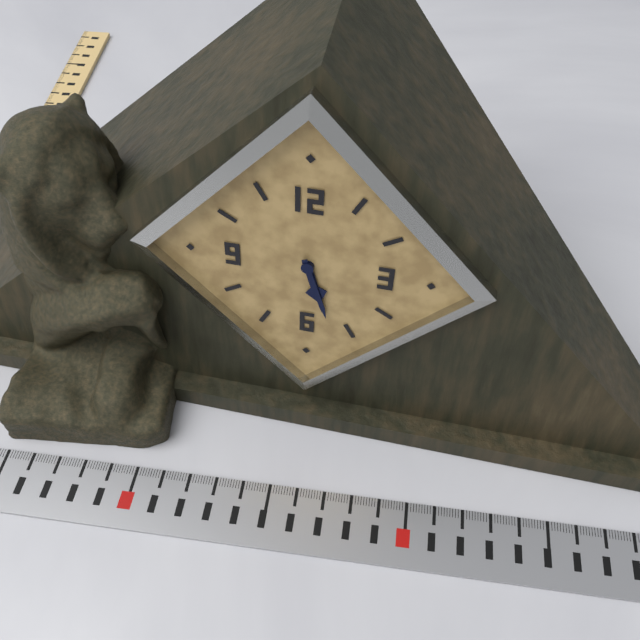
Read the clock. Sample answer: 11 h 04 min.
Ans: 5 h 27 min
